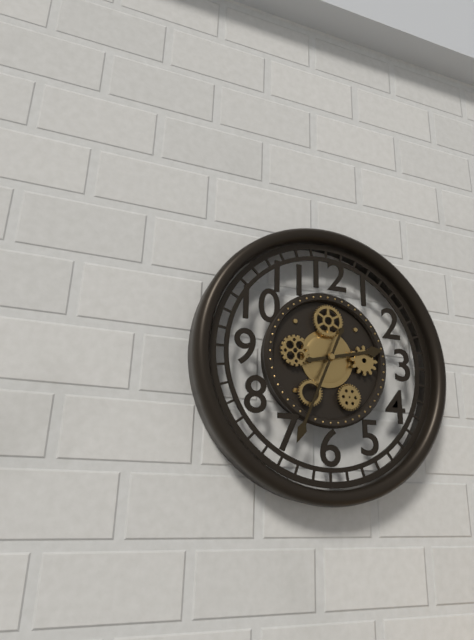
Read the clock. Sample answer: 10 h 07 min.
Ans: 2 h 34 min
